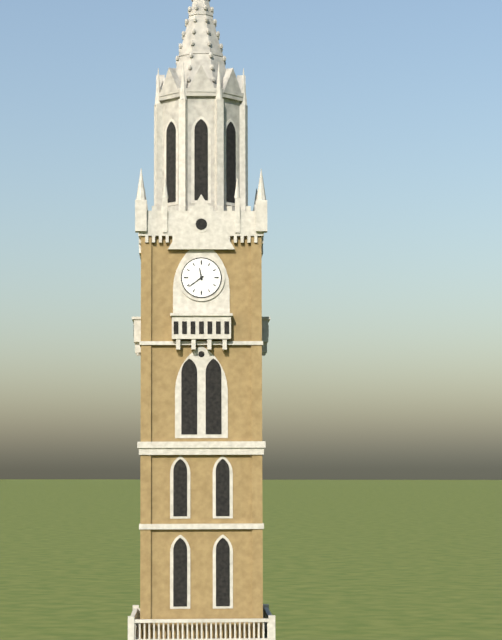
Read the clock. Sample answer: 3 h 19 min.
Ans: 11 h 39 min
